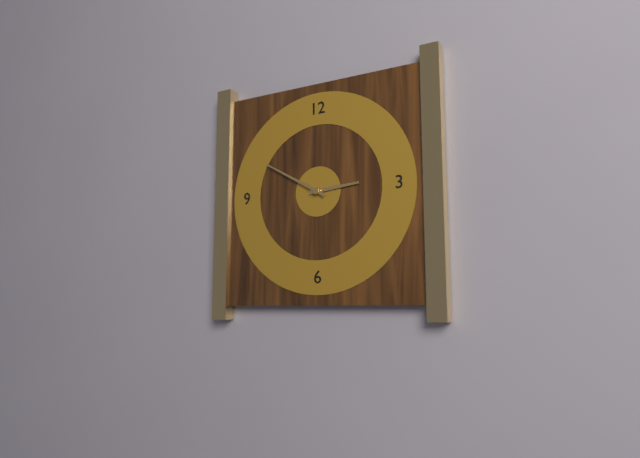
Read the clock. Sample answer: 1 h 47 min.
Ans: 2 h 50 min
